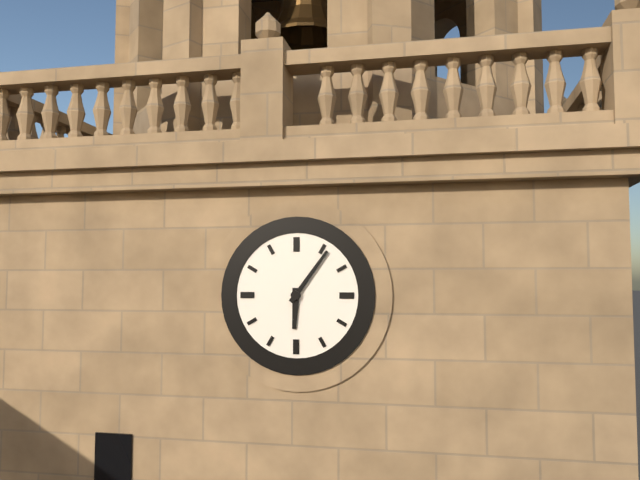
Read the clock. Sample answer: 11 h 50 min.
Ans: 6 h 06 min
